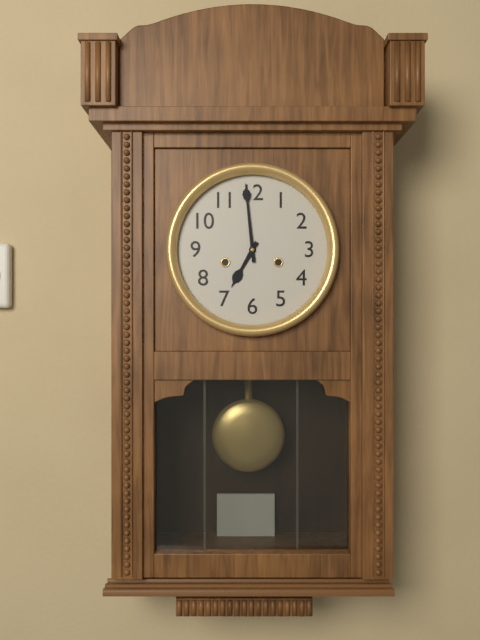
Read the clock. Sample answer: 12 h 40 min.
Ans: 6 h 59 min
